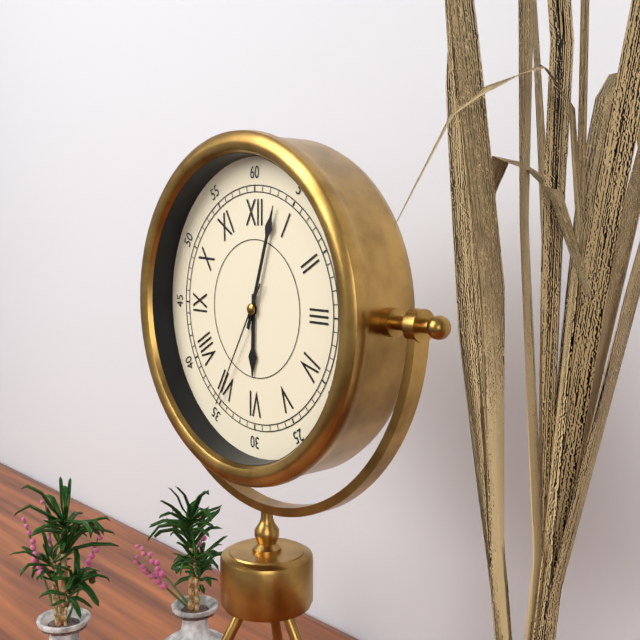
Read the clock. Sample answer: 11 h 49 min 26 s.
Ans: 6 h 03 min 35 s
